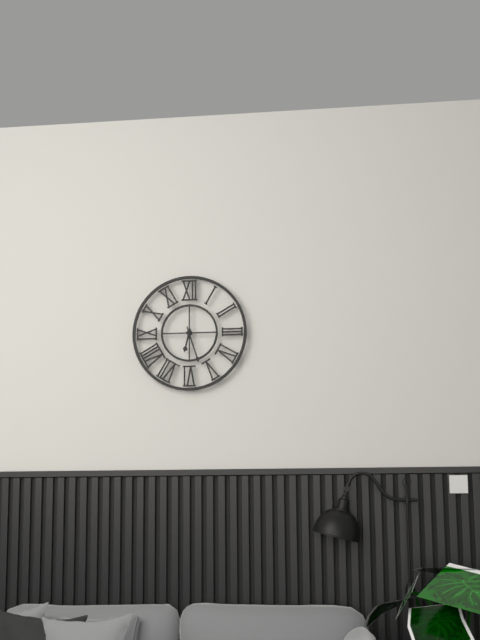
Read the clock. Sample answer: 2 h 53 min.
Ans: 6 h 27 min
